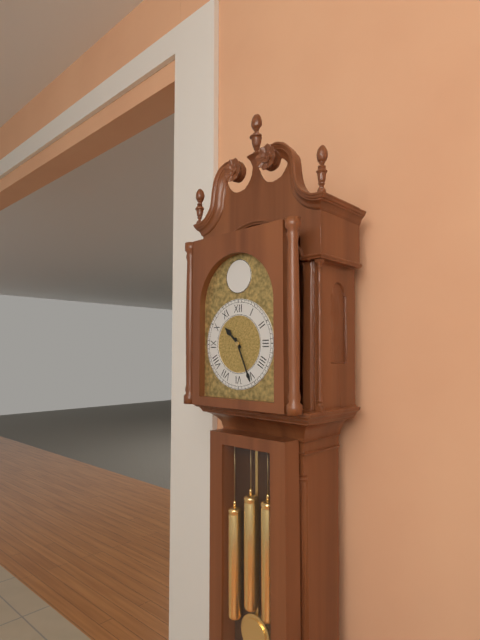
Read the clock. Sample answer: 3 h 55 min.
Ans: 10 h 26 min
